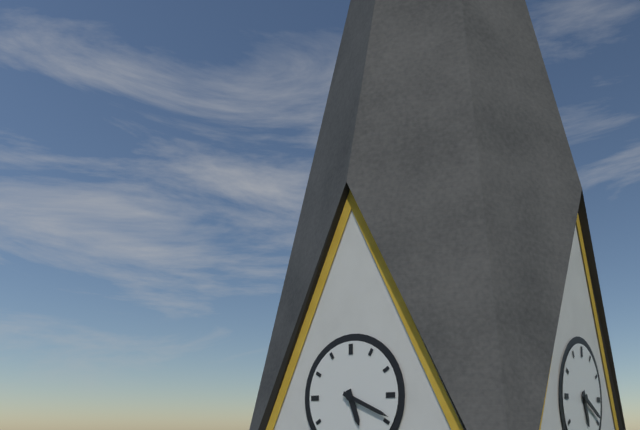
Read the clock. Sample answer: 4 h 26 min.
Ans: 5 h 19 min
